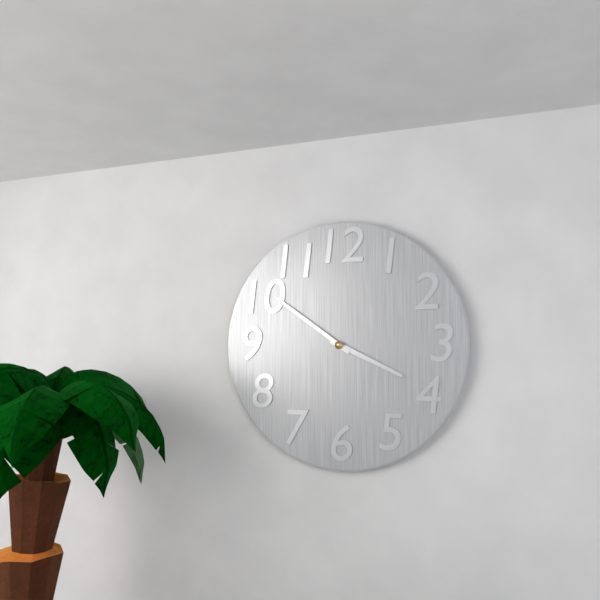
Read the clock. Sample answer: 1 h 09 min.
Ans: 3 h 51 min
